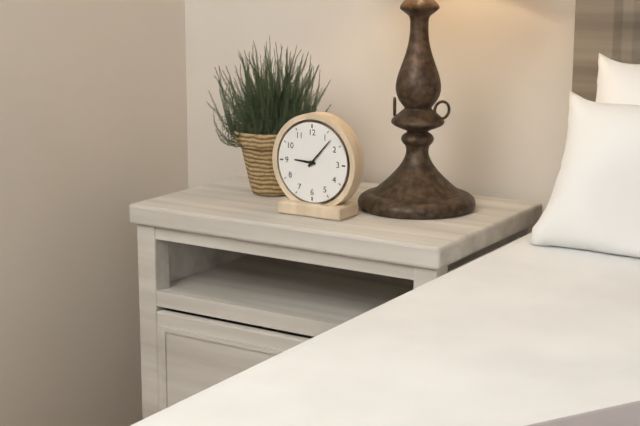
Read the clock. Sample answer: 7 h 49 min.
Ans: 9 h 07 min
